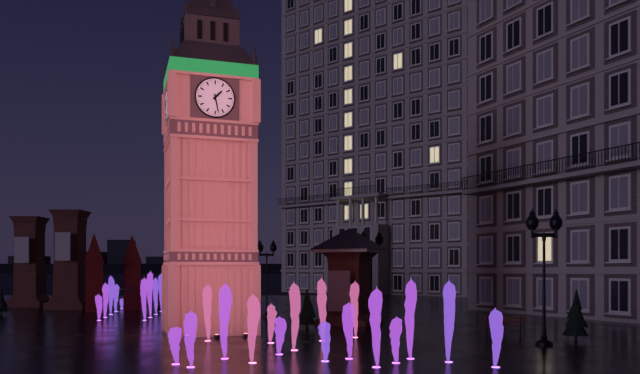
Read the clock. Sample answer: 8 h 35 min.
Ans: 1 h 28 min
